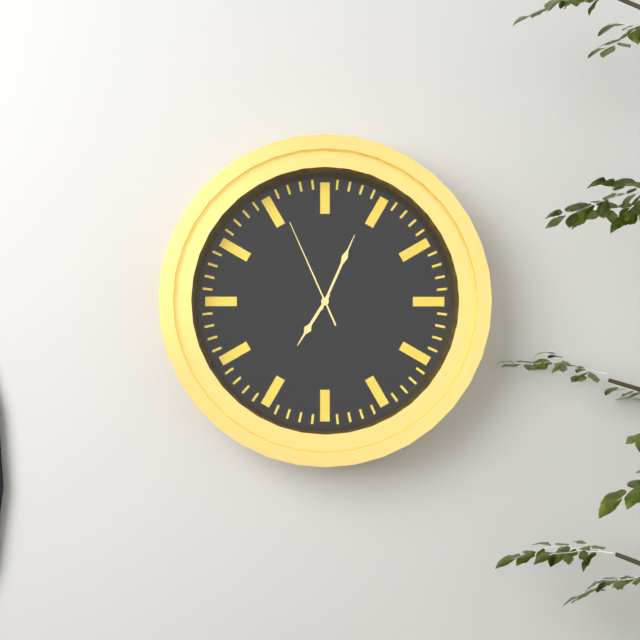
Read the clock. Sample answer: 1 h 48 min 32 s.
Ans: 7 h 04 min 56 s
